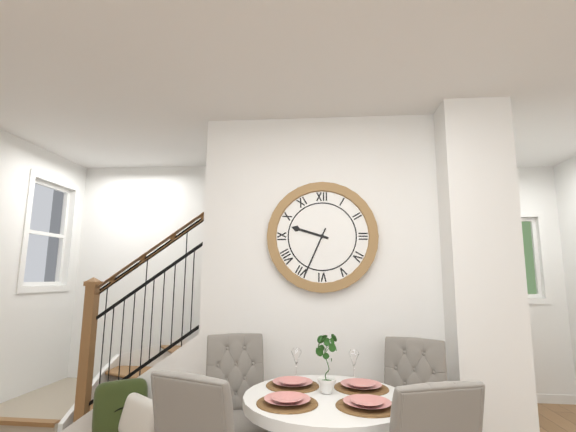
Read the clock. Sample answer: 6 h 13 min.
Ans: 9 h 34 min
